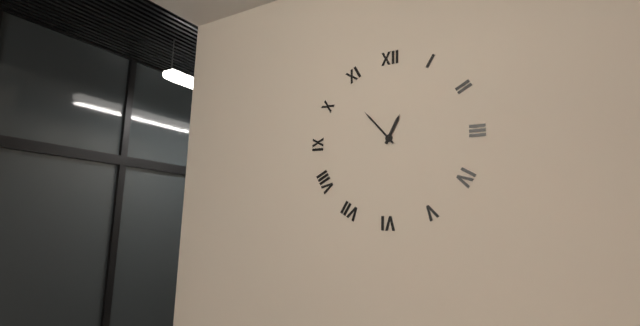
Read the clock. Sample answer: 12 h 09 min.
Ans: 12 h 53 min
